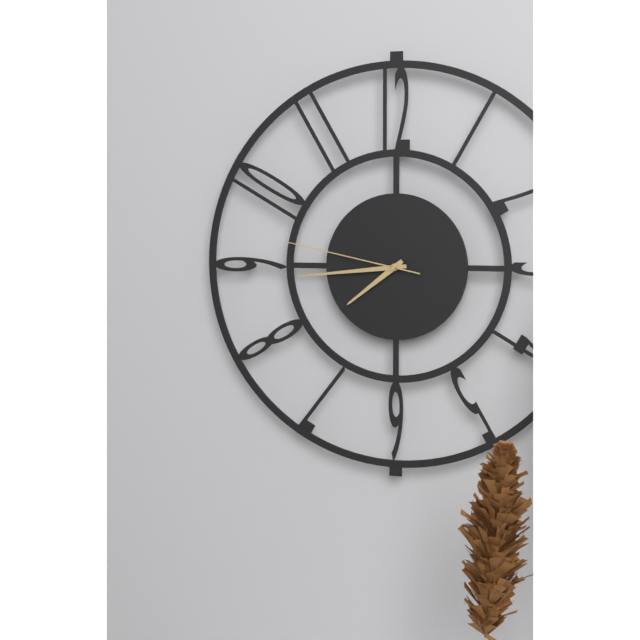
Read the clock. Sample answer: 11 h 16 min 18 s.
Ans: 7 h 44 min 47 s
